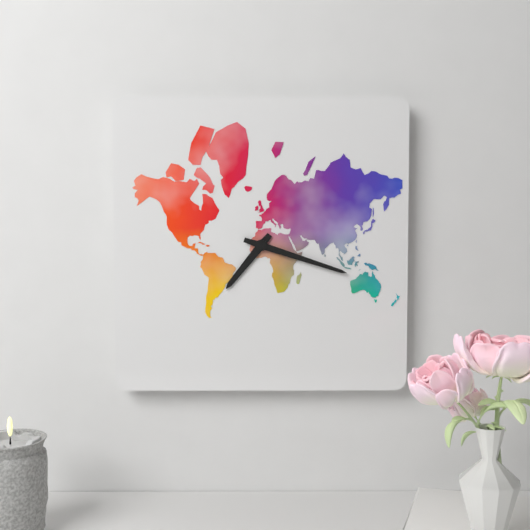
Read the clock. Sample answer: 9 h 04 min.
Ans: 7 h 18 min
